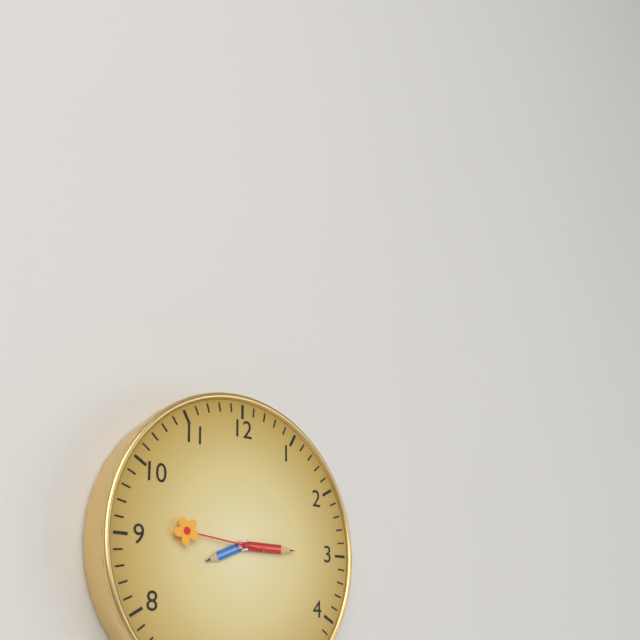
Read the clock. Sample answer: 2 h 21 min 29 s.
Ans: 8 h 15 min 46 s
